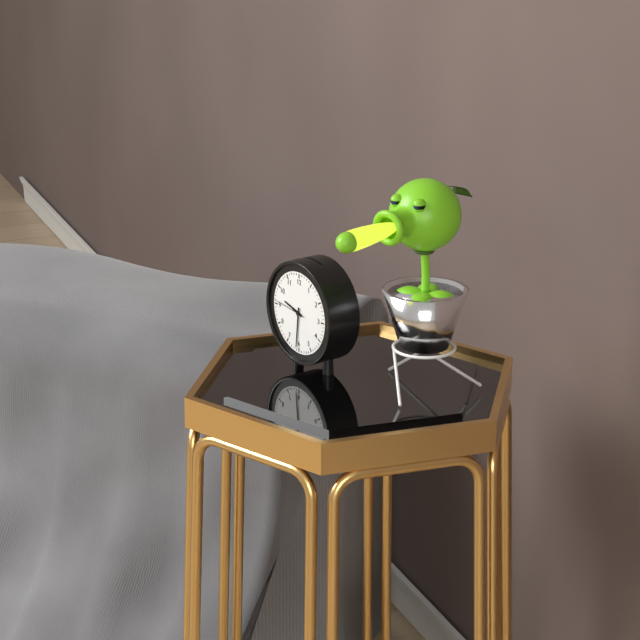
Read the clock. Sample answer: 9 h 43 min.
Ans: 9 h 31 min
